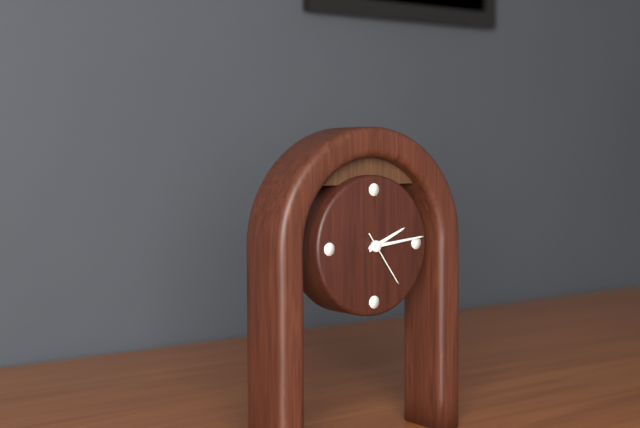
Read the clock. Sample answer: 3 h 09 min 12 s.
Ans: 2 h 14 min 24 s
